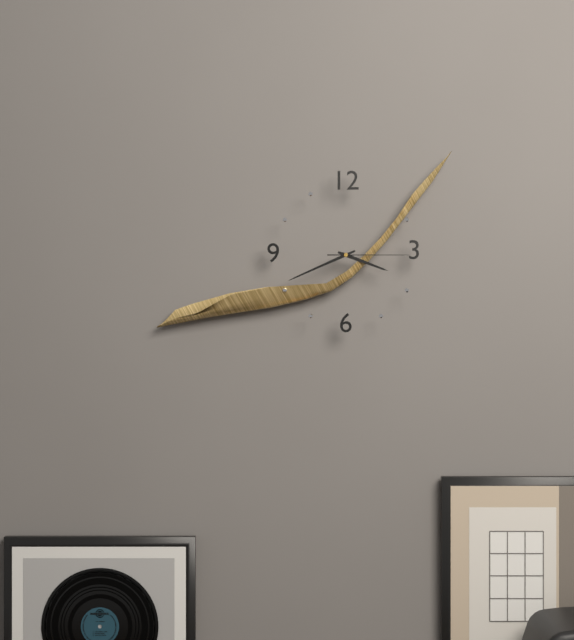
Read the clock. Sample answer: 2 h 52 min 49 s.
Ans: 3 h 41 min 15 s
